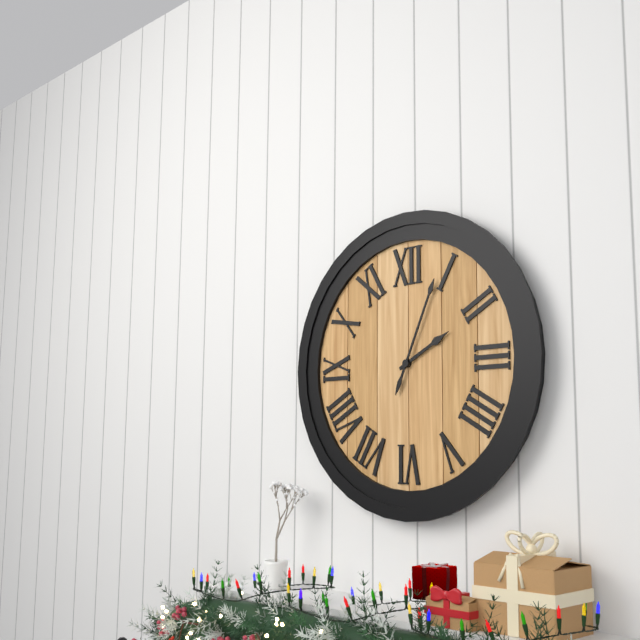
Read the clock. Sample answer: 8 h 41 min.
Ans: 2 h 04 min
